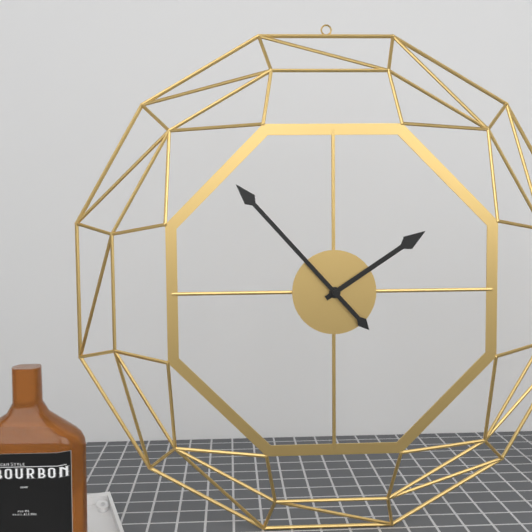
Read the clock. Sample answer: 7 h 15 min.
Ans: 1 h 53 min
